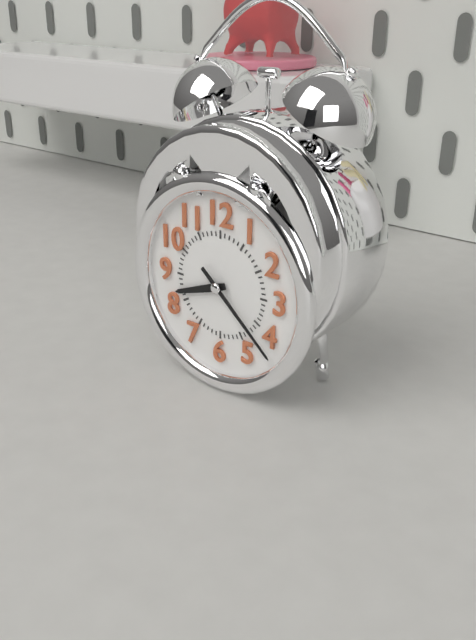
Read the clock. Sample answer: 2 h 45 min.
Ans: 8 h 22 min
